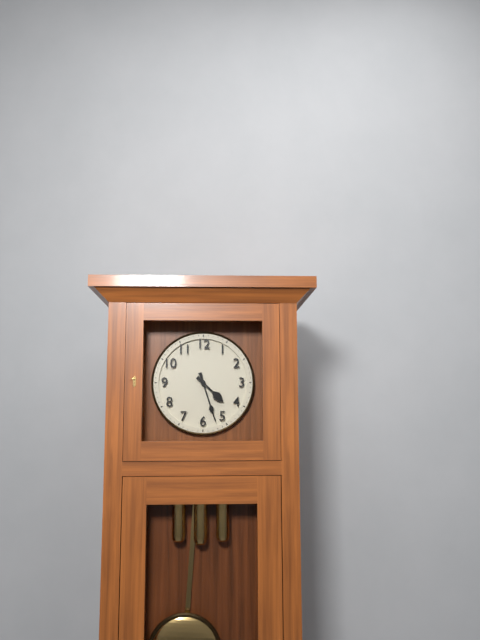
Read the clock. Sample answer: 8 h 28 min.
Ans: 4 h 27 min
